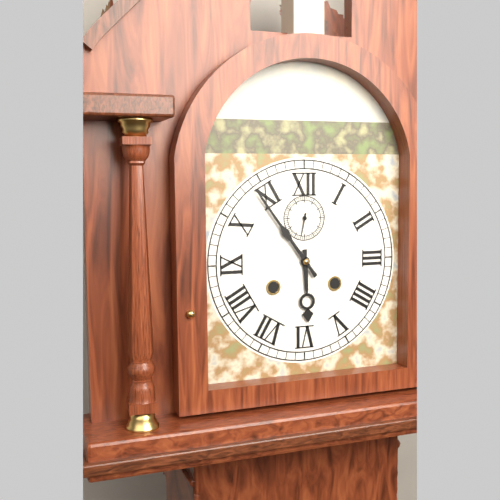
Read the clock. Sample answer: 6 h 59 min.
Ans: 5 h 54 min
